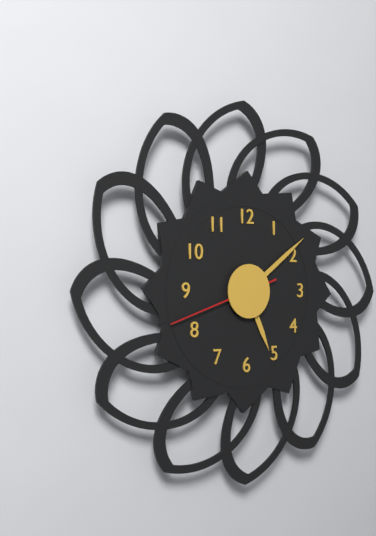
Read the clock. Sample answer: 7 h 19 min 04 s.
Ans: 5 h 09 min 42 s
